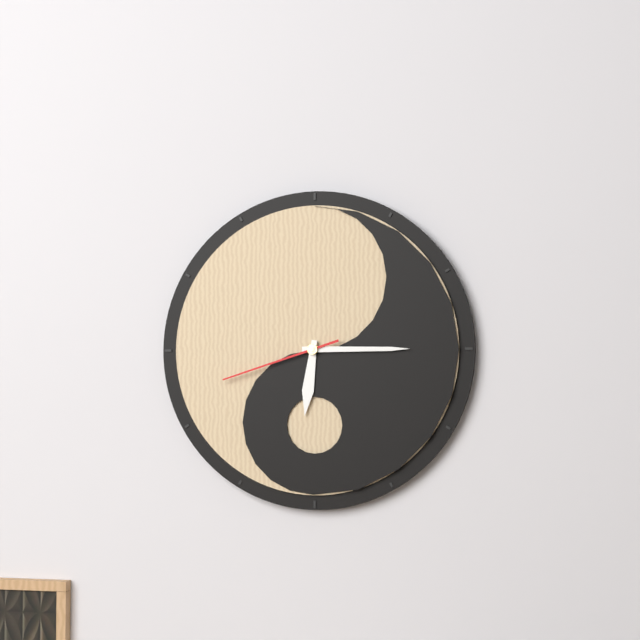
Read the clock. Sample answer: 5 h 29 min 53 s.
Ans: 6 h 15 min 42 s
